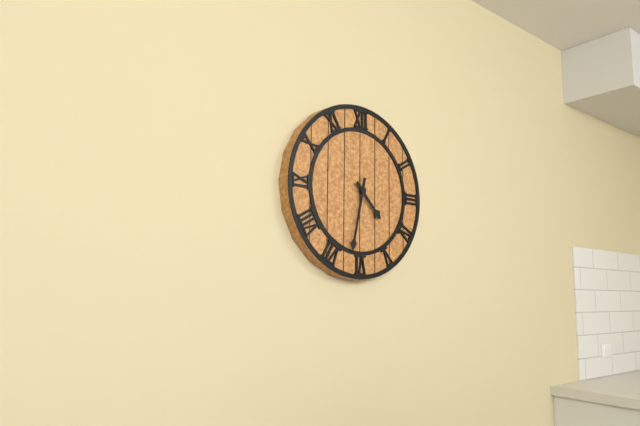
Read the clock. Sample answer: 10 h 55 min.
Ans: 4 h 32 min
